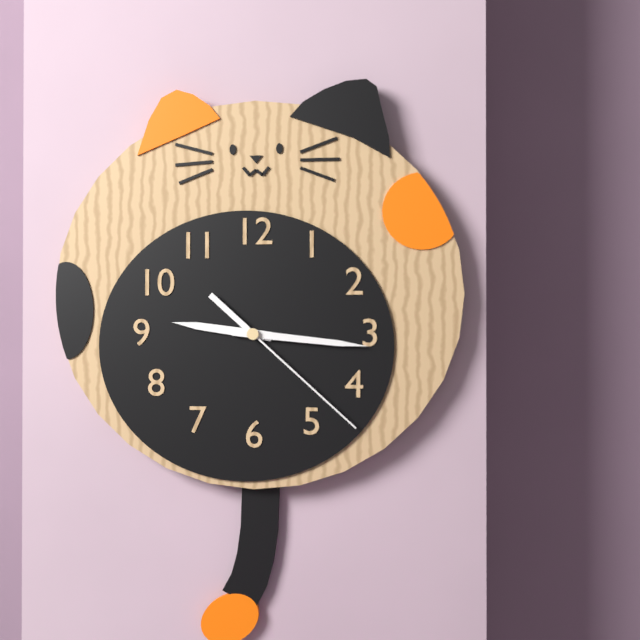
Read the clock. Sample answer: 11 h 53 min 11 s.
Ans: 9 h 16 min 22 s
